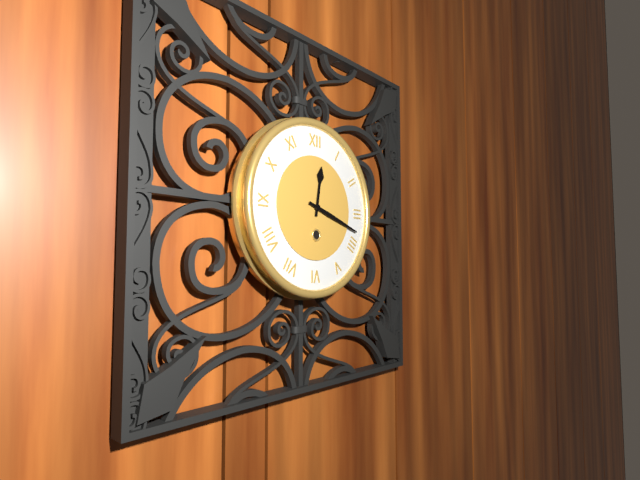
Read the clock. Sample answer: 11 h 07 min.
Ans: 12 h 18 min
